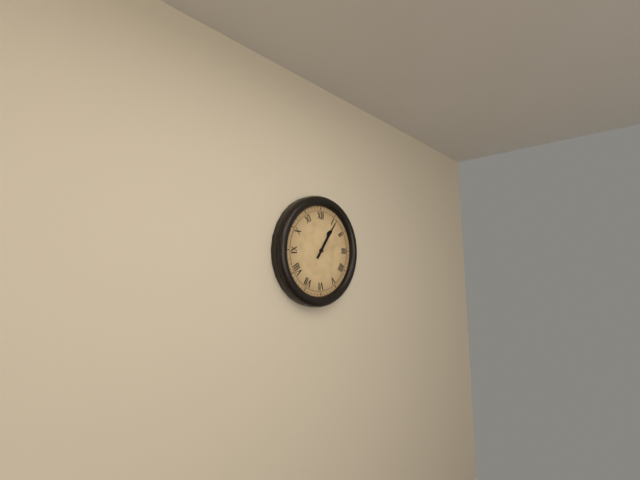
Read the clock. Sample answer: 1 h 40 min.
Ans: 1 h 06 min
